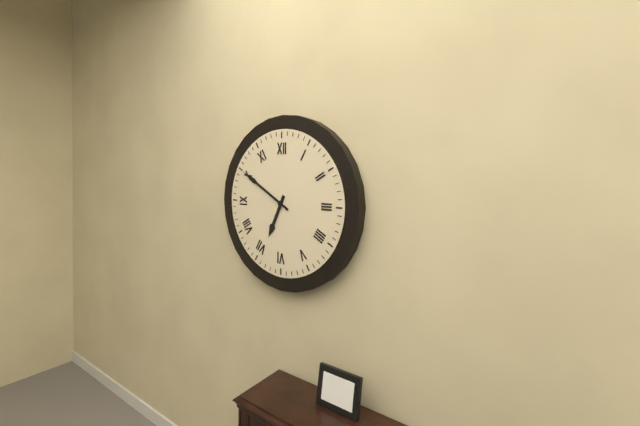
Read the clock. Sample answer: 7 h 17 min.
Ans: 6 h 50 min
